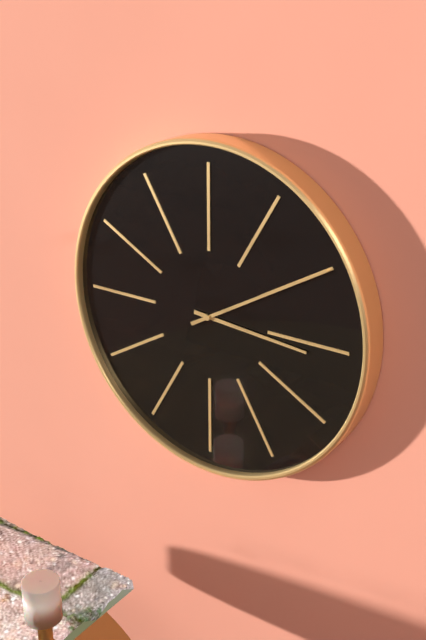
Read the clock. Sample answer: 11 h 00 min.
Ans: 3 h 10 min
